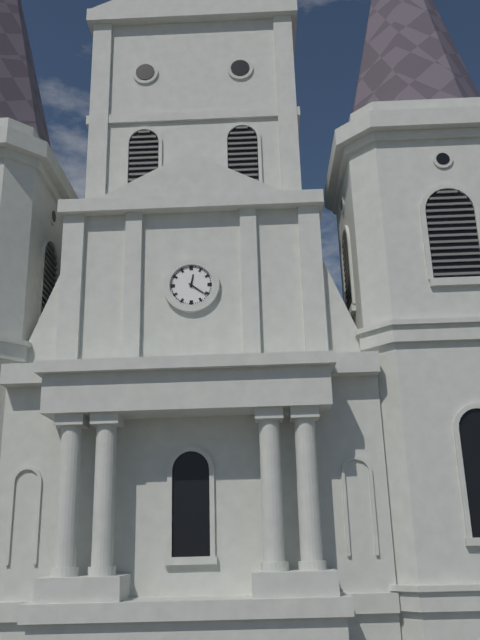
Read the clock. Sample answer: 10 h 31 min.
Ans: 12 h 21 min
